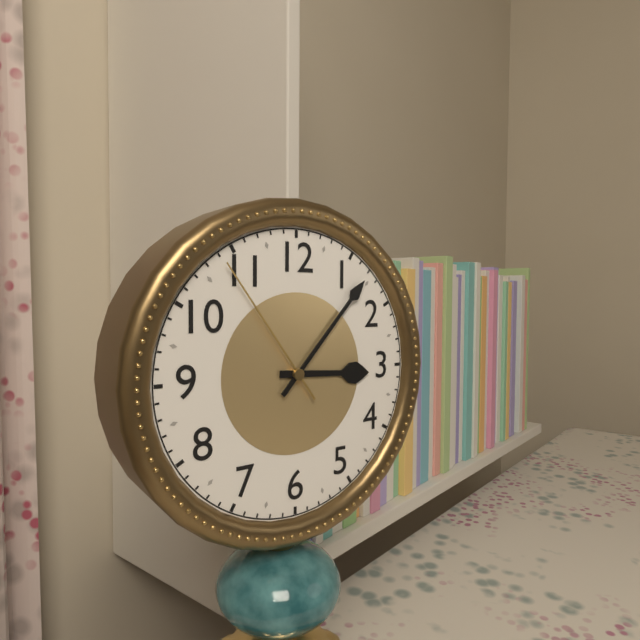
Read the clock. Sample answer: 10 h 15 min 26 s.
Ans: 3 h 07 min 54 s
